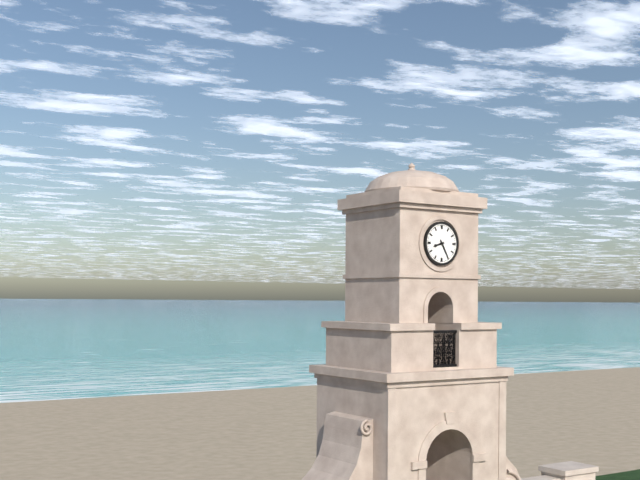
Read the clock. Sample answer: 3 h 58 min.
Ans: 8 h 25 min
